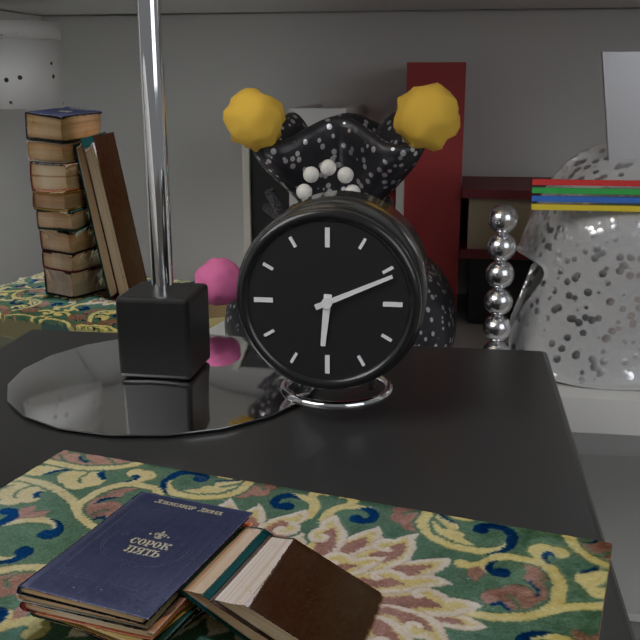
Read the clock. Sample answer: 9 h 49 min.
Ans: 6 h 11 min
